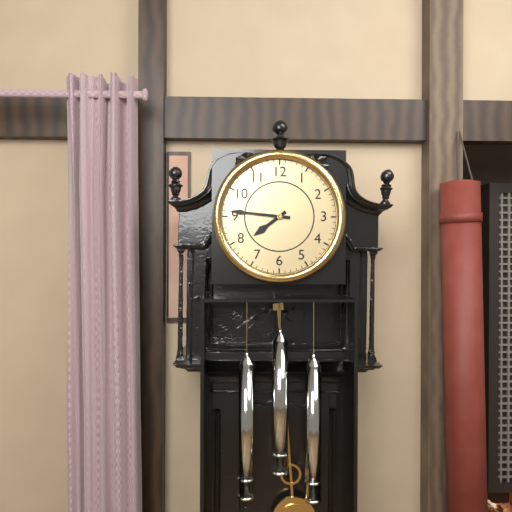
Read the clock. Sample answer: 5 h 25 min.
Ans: 7 h 46 min
